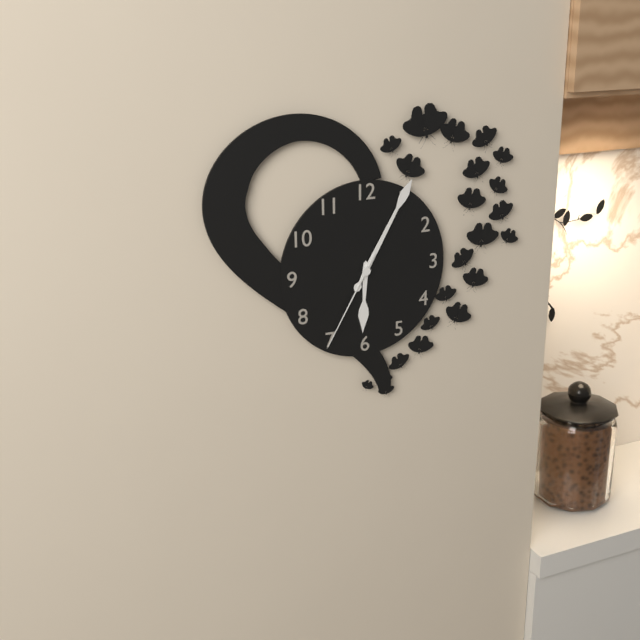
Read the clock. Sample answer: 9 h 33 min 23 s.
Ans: 6 h 05 min 35 s
